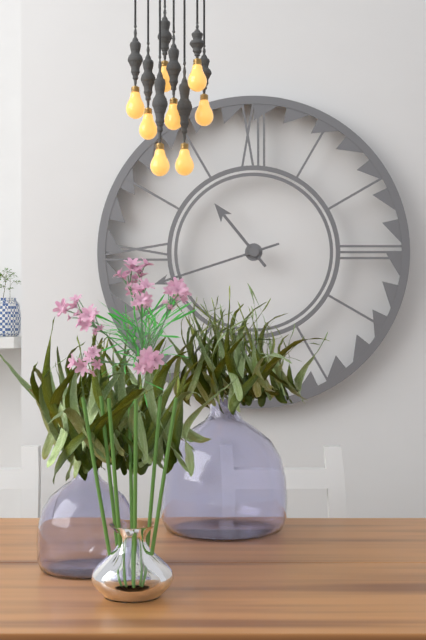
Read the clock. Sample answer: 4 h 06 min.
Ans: 10 h 42 min
